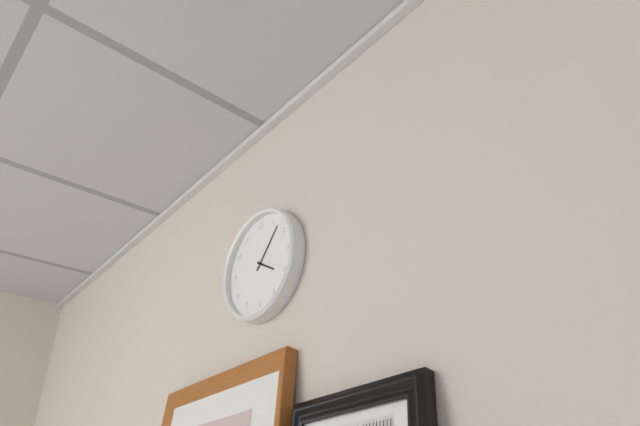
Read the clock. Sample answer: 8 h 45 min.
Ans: 4 h 07 min
